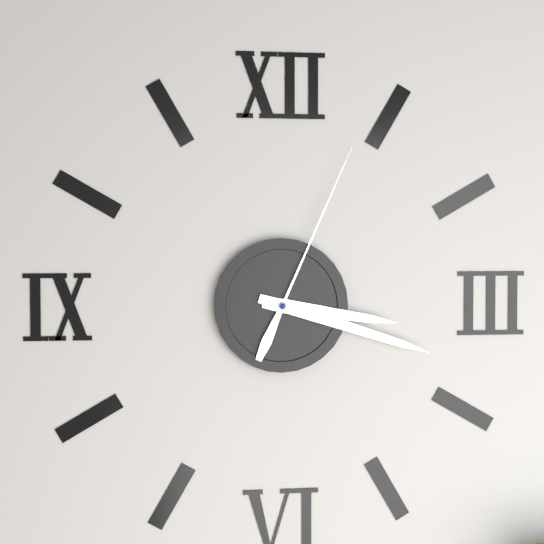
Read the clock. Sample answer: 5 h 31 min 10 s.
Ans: 3 h 18 min 04 s
